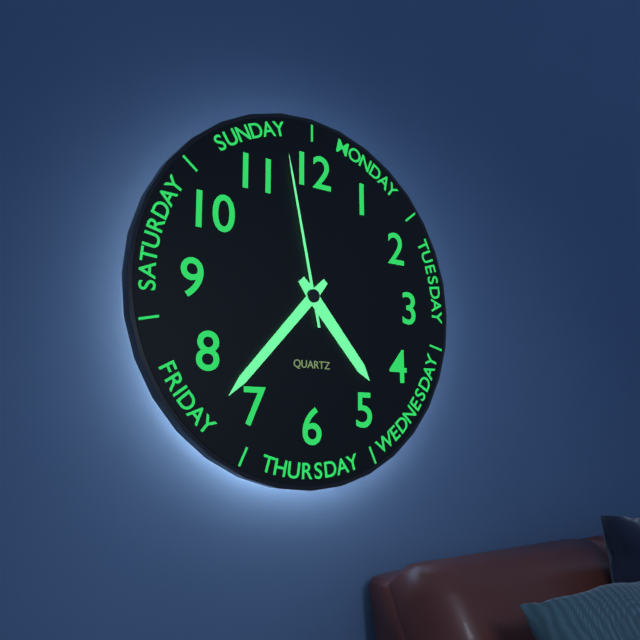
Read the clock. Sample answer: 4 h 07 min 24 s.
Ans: 4 h 37 min 58 s
